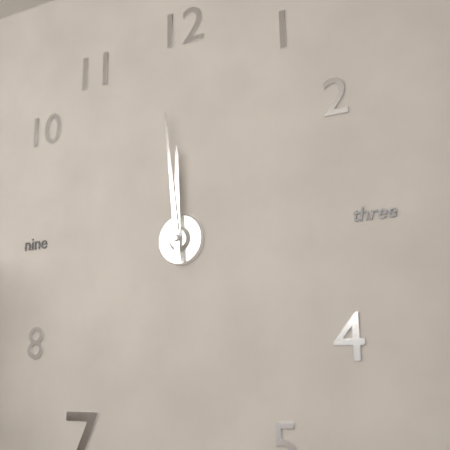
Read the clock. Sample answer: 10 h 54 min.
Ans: 11 h 59 min
